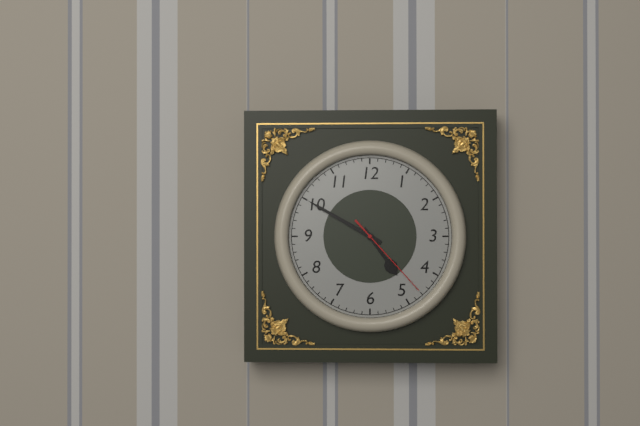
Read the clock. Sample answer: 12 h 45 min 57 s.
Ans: 4 h 50 min 23 s
